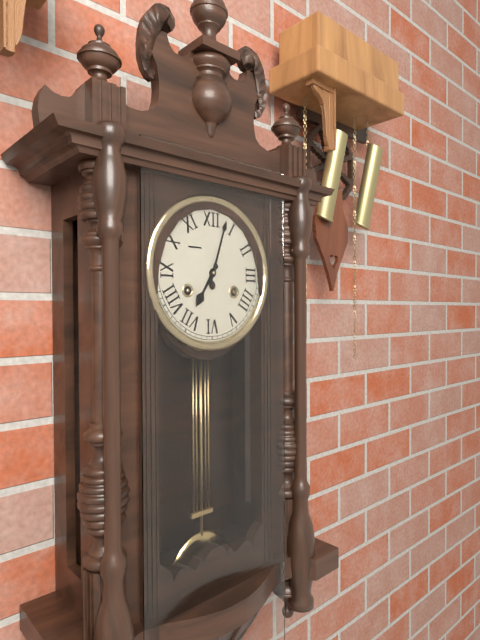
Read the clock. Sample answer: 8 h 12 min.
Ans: 7 h 03 min
